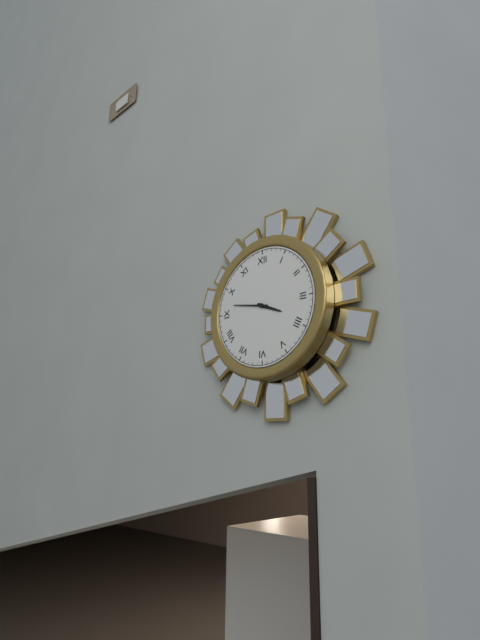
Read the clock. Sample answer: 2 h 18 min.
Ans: 3 h 47 min
